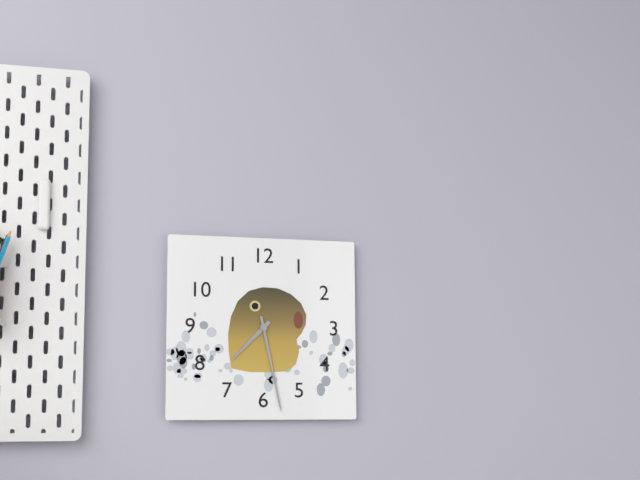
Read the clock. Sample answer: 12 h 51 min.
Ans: 7 h 28 min
